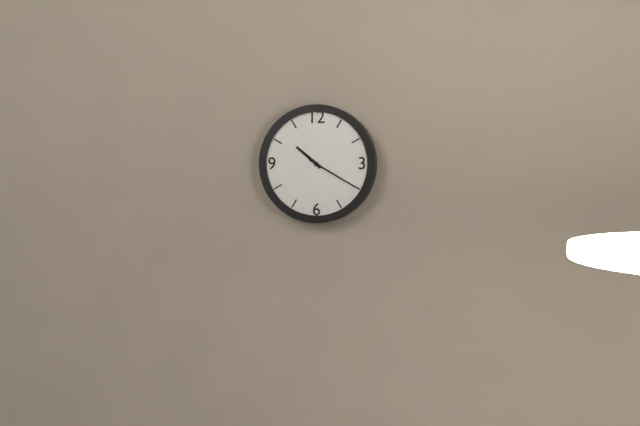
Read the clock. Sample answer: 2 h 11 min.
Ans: 10 h 20 min
